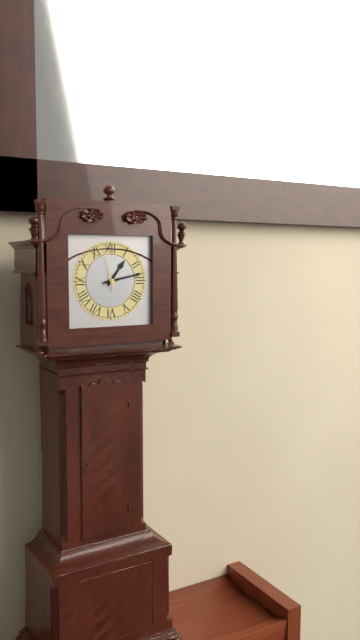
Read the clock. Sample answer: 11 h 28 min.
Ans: 1 h 13 min
